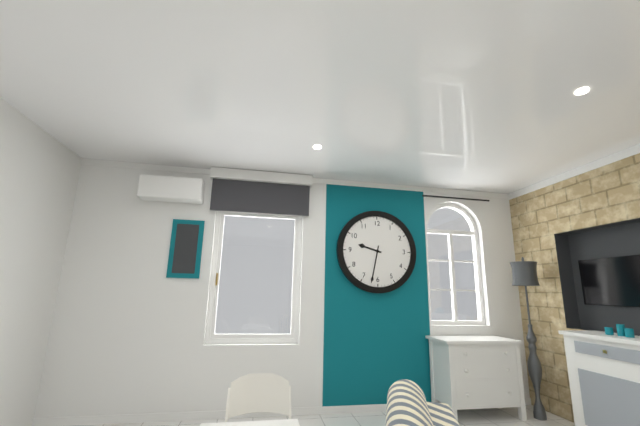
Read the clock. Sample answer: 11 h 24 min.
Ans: 9 h 32 min
